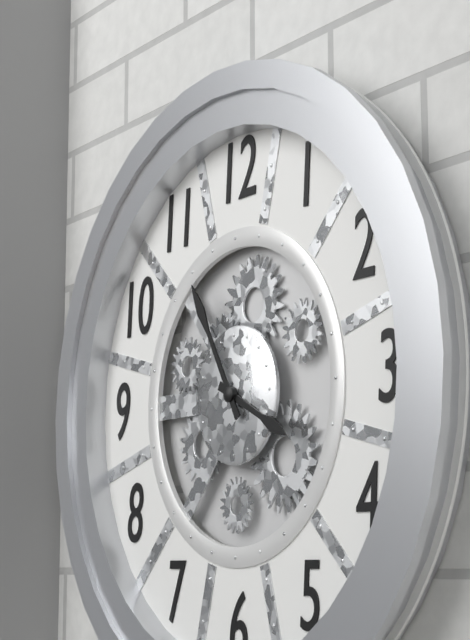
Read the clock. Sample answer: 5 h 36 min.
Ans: 3 h 55 min
